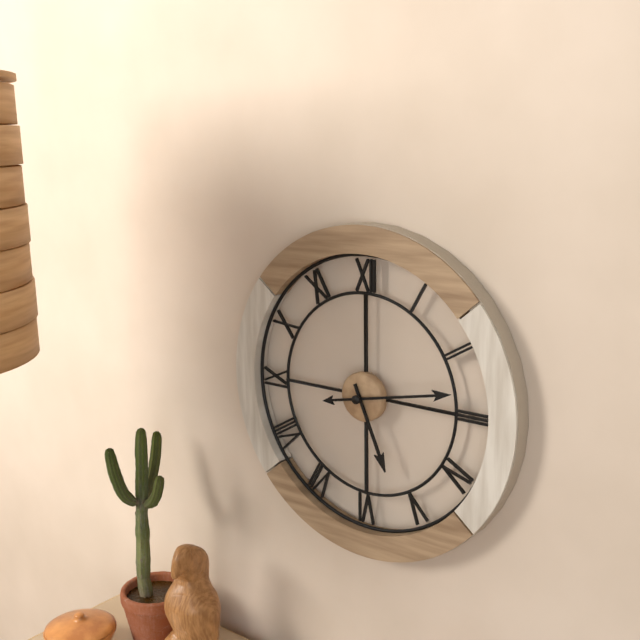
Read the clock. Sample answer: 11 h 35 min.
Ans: 5 h 13 min
